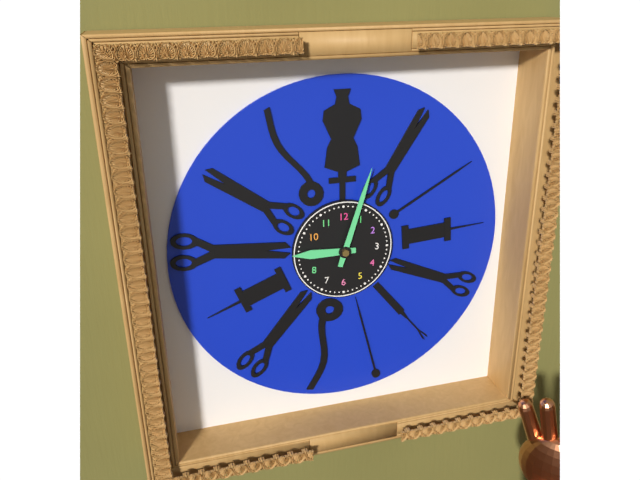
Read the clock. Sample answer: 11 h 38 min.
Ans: 9 h 03 min
